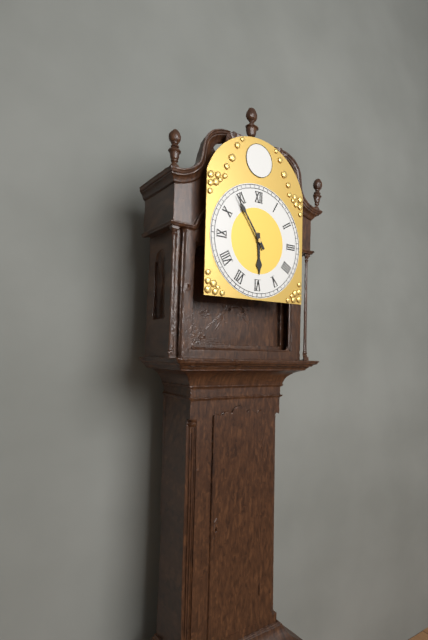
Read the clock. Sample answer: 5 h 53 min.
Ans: 5 h 54 min
